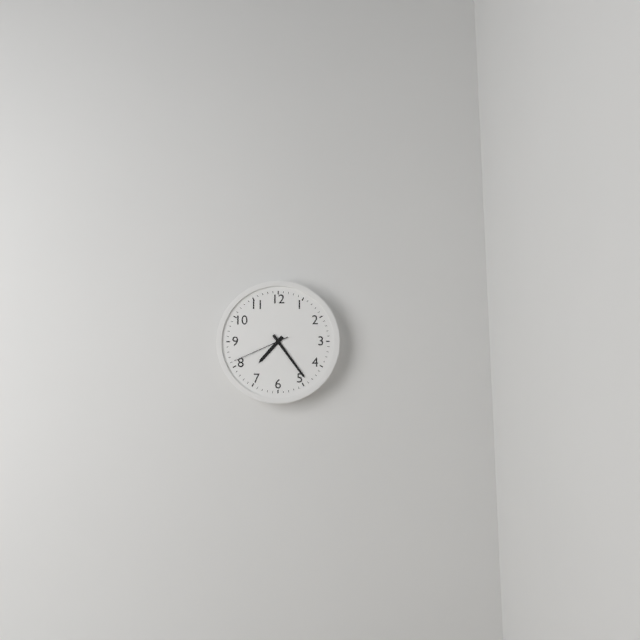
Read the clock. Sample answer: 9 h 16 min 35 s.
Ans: 7 h 24 min 41 s
